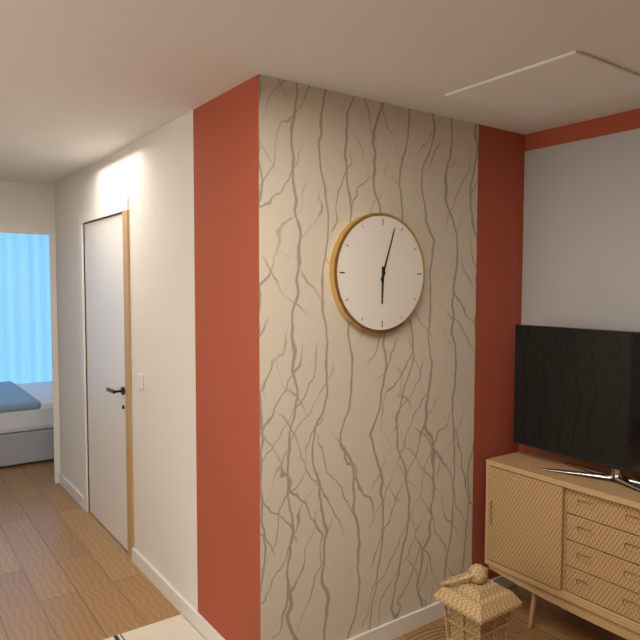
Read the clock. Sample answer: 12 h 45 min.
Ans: 6 h 03 min
